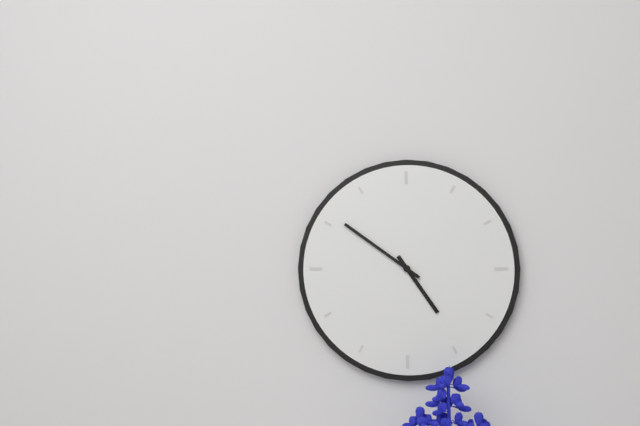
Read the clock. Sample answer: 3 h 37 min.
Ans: 4 h 51 min
